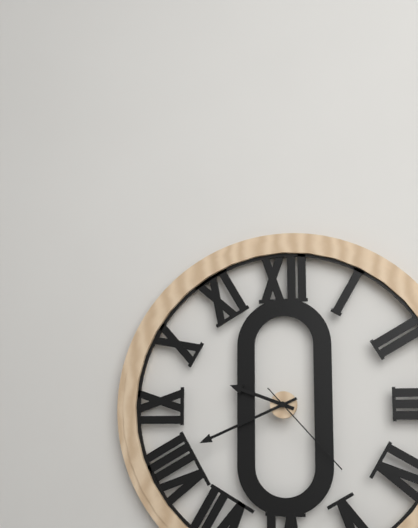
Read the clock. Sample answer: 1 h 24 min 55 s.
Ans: 9 h 41 min 23 s
